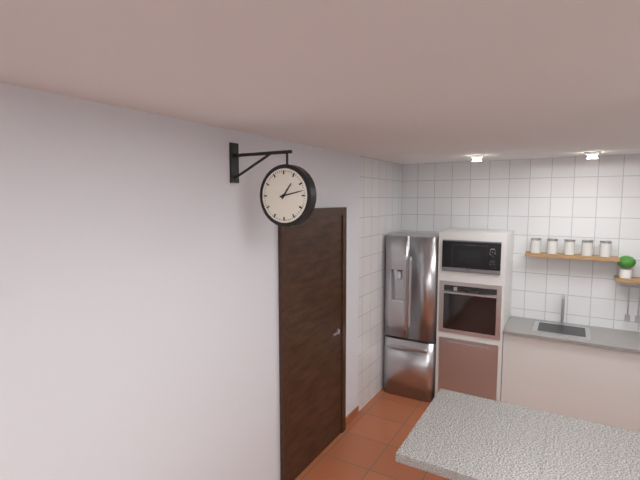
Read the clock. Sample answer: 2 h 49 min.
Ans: 1 h 13 min
